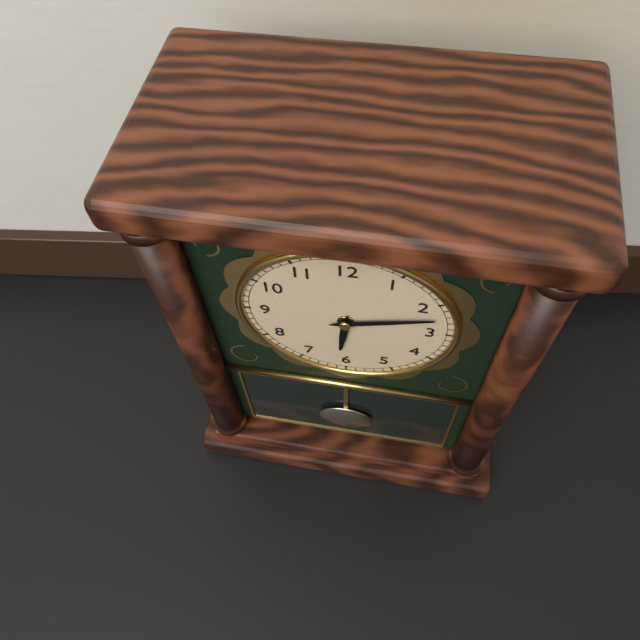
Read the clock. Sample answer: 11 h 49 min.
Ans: 6 h 12 min
